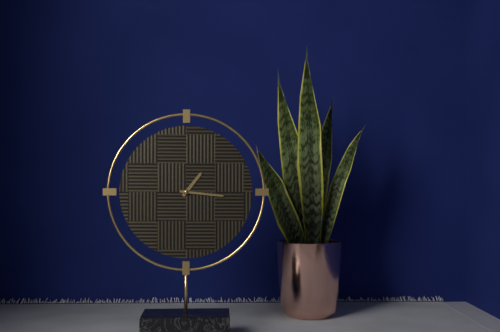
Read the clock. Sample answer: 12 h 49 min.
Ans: 1 h 16 min
